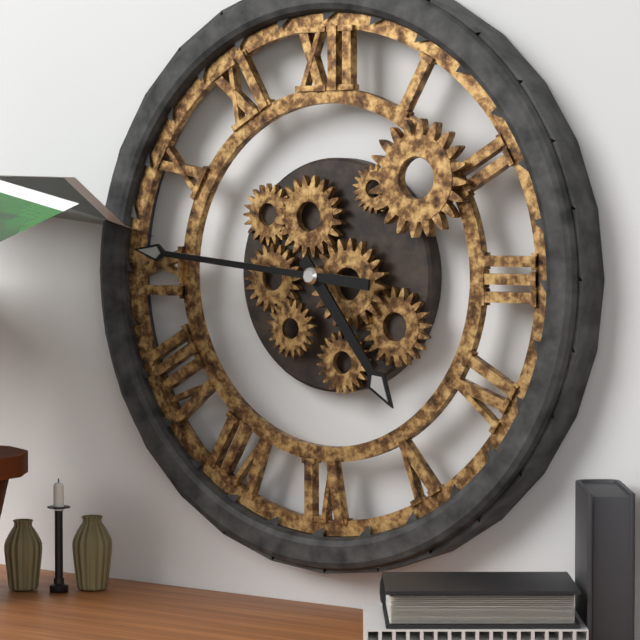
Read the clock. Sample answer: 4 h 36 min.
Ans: 4 h 46 min
